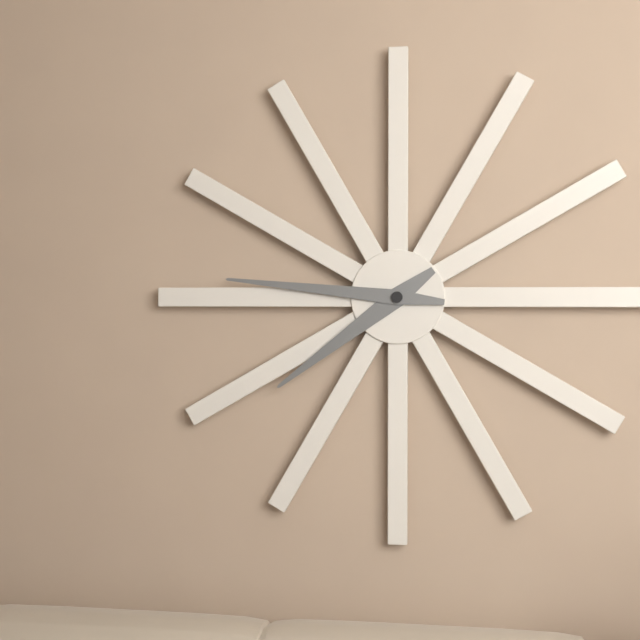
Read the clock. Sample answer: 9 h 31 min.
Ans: 7 h 46 min
